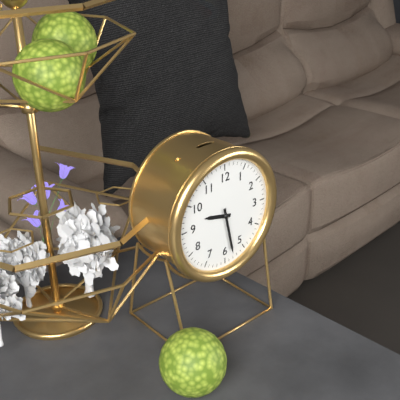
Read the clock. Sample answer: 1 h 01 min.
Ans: 9 h 28 min
